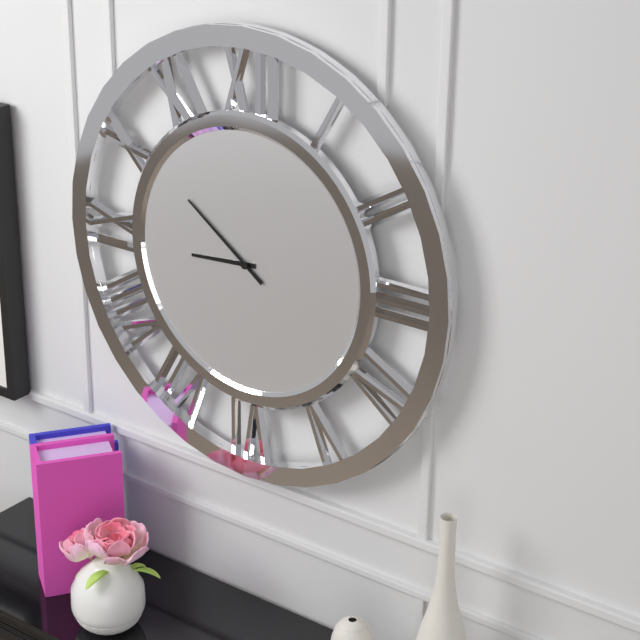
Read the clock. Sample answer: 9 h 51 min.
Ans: 8 h 51 min
